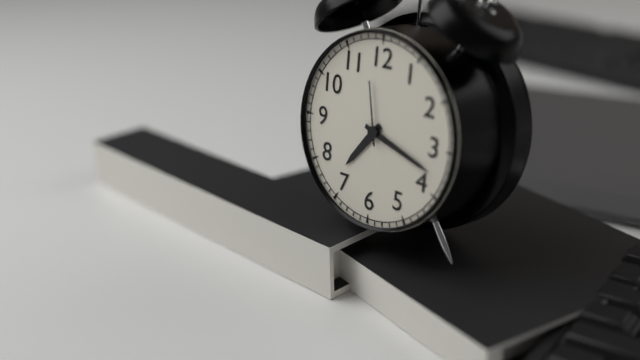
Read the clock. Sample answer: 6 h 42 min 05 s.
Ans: 7 h 18 min 58 s
